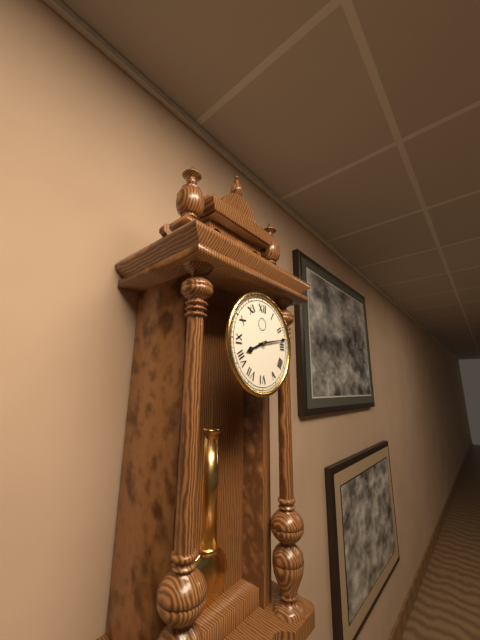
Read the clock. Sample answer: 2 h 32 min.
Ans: 8 h 13 min
